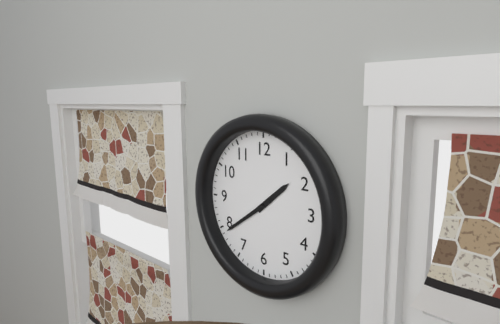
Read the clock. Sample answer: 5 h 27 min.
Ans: 1 h 39 min
